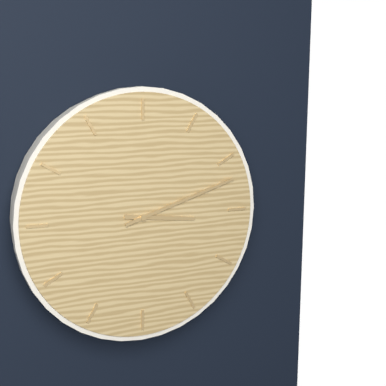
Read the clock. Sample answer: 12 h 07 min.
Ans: 3 h 12 min
